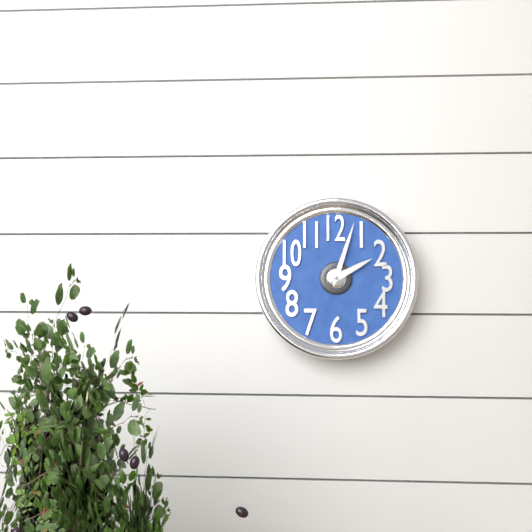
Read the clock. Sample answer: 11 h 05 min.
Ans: 2 h 03 min
